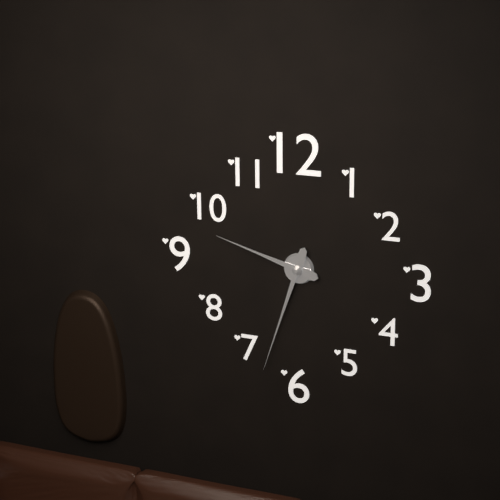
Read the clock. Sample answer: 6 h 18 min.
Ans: 9 h 33 min
